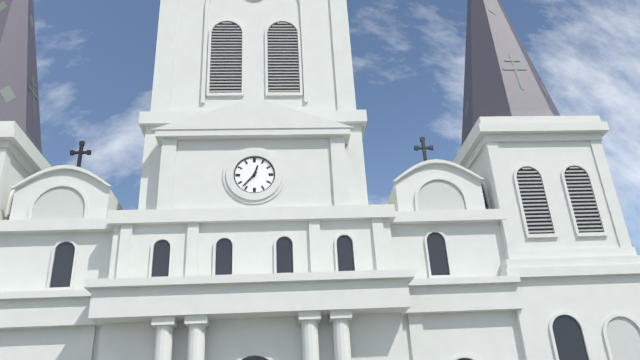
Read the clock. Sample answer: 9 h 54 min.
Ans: 12 h 37 min
